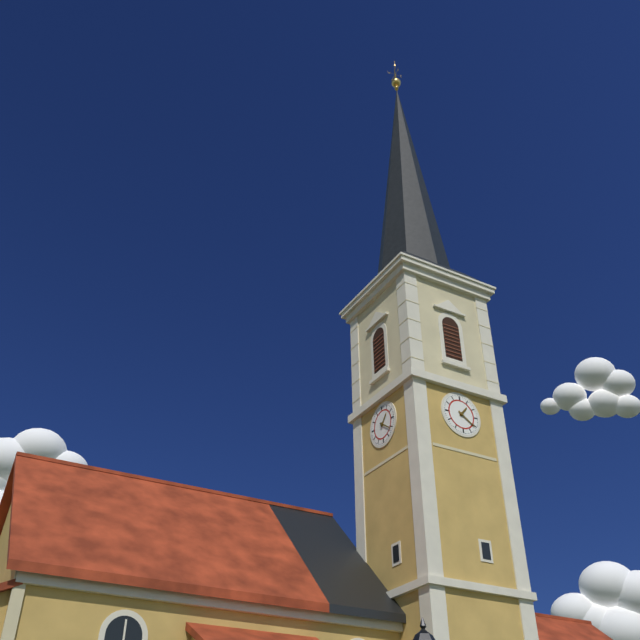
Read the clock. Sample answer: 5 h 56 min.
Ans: 1 h 21 min
